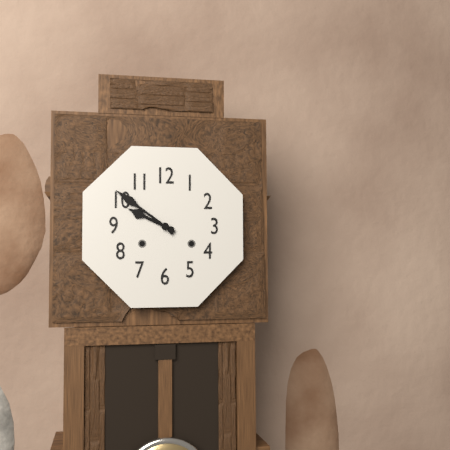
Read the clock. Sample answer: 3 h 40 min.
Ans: 9 h 51 min
